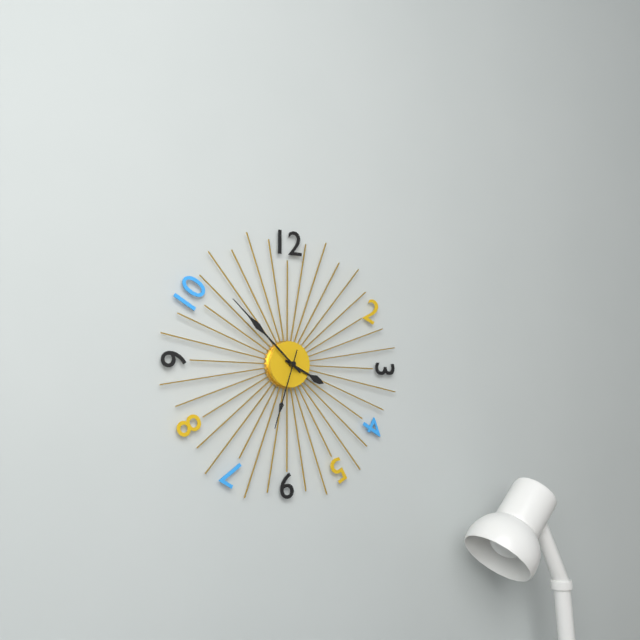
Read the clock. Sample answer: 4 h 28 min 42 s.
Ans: 3 h 52 min 33 s
